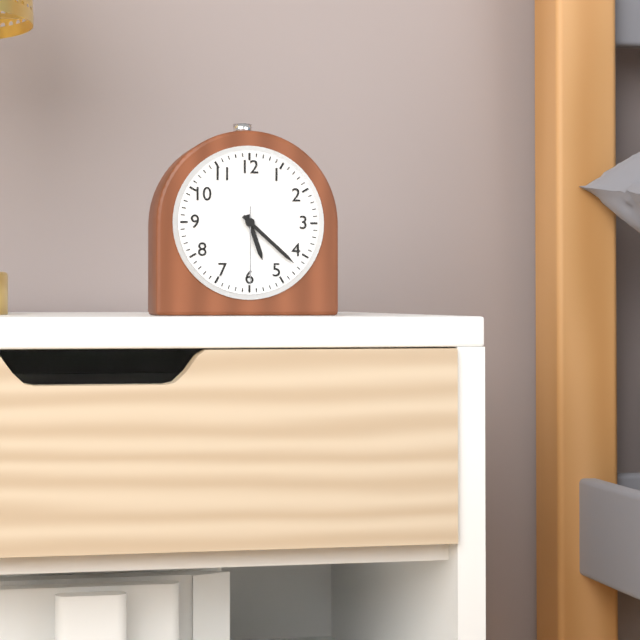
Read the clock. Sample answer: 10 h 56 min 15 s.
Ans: 5 h 22 min 30 s
